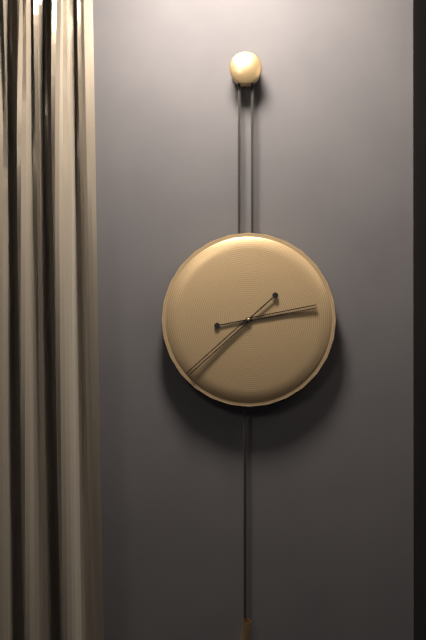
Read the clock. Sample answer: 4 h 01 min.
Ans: 2 h 38 min
